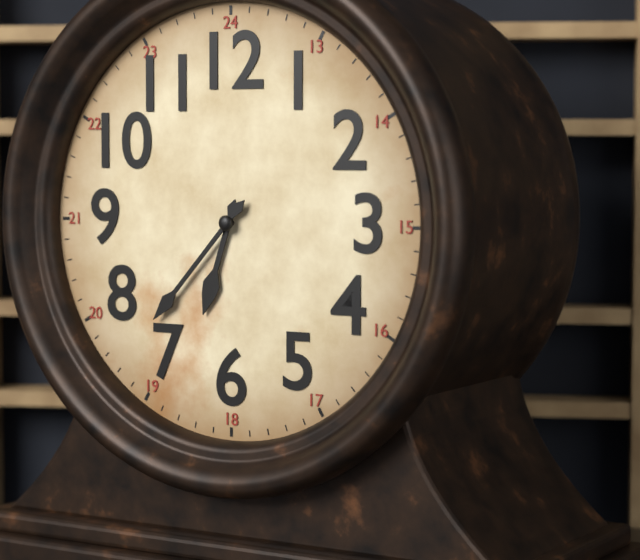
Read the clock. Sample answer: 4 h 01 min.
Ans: 6 h 37 min
